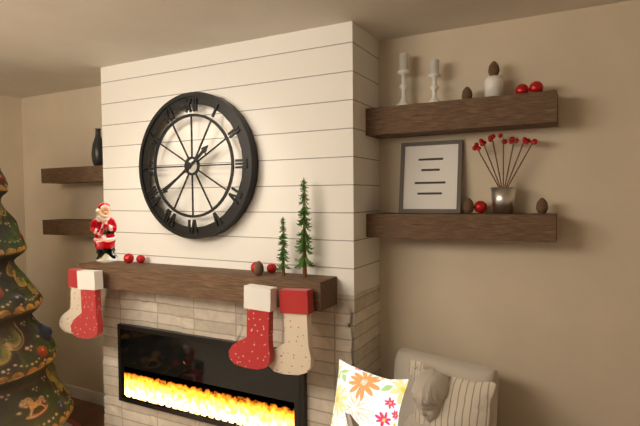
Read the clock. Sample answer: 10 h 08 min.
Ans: 1 h 39 min
